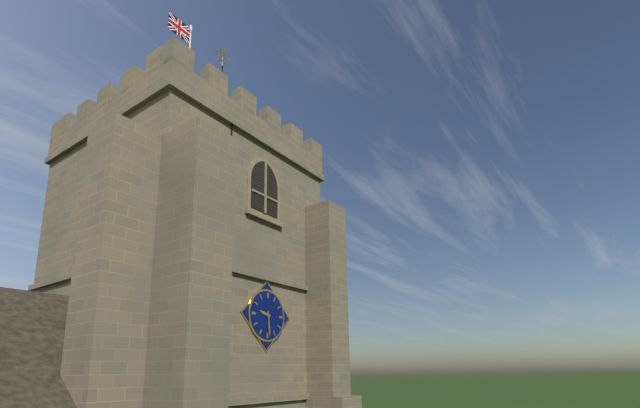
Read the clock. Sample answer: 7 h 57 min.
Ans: 9 h 29 min
